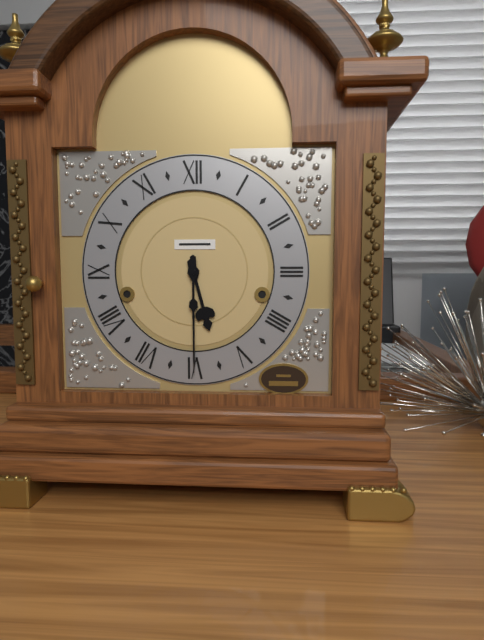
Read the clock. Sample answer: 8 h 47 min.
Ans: 5 h 30 min
